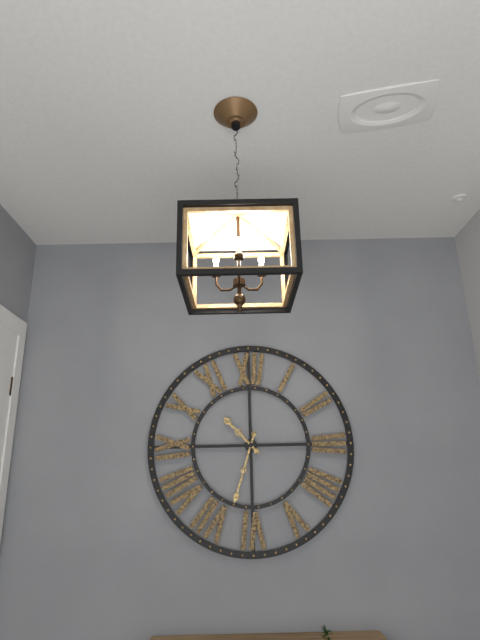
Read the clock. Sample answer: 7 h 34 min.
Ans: 10 h 33 min
